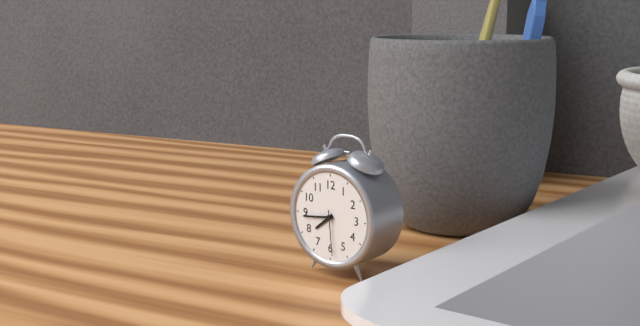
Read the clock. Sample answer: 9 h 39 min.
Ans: 7 h 44 min
